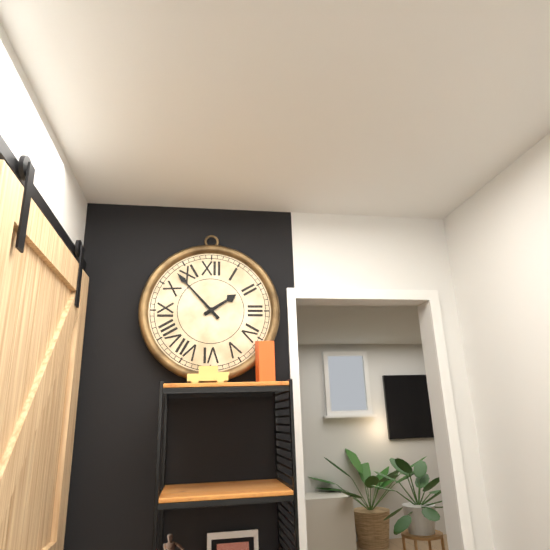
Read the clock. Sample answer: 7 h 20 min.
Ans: 1 h 53 min
